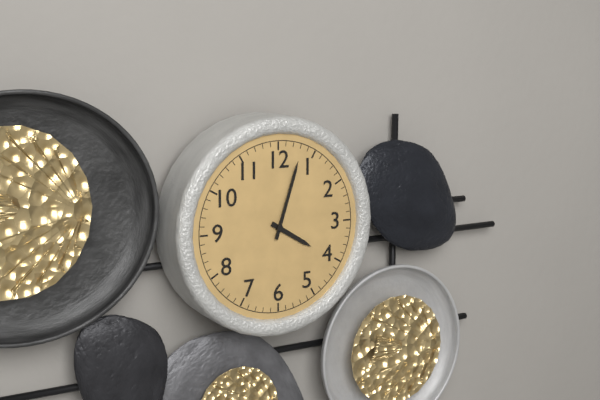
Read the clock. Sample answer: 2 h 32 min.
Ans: 4 h 03 min
